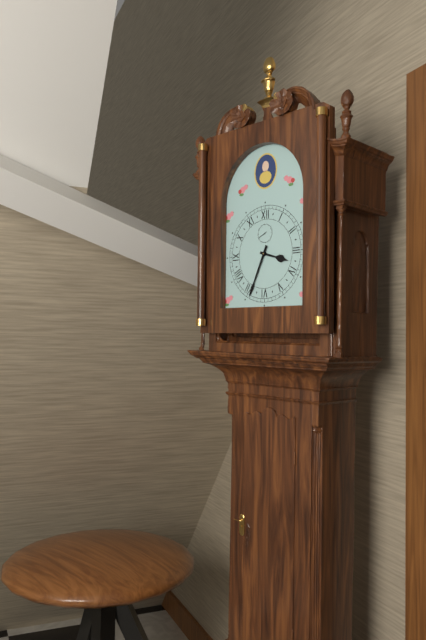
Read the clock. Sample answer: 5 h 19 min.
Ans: 3 h 34 min
